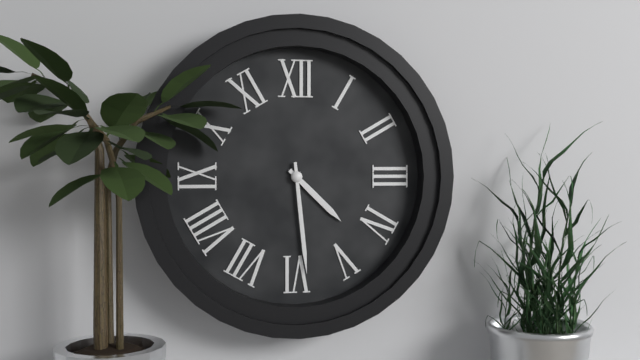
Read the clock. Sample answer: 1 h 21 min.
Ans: 4 h 29 min
